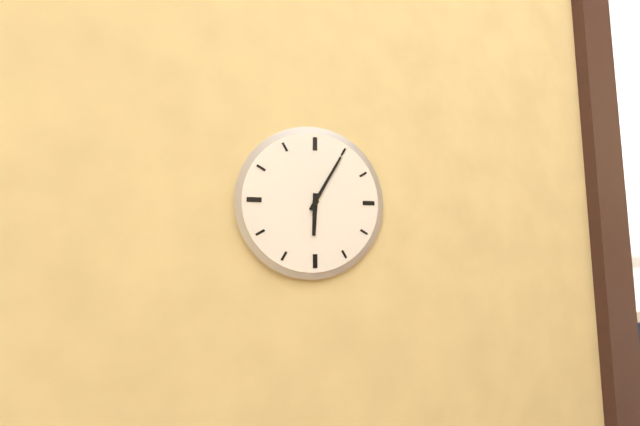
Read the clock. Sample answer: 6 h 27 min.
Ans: 6 h 05 min
